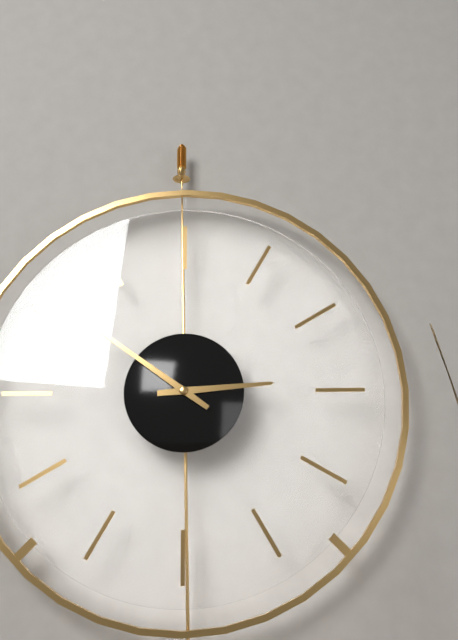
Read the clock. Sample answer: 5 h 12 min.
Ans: 2 h 51 min
